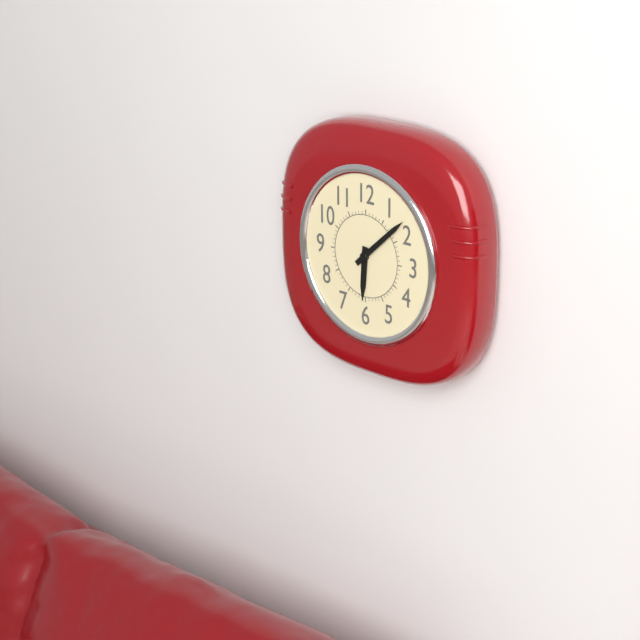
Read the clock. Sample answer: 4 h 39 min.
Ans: 6 h 08 min
